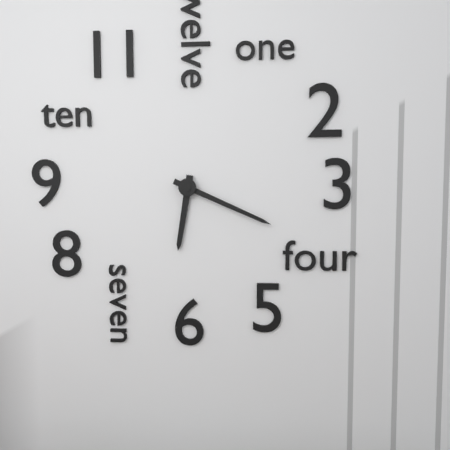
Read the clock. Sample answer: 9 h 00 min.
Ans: 6 h 19 min
